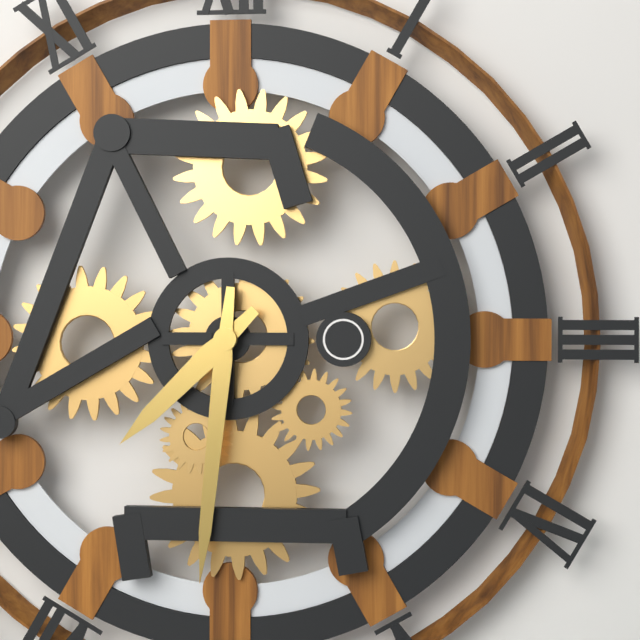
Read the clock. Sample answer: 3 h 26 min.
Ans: 7 h 31 min
